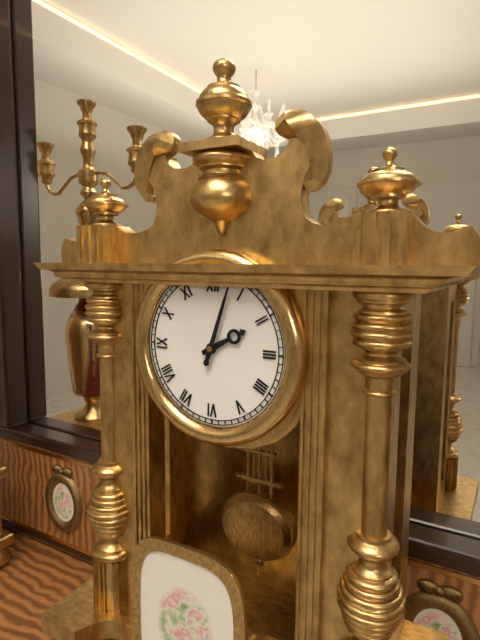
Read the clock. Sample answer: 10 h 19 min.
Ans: 2 h 03 min
